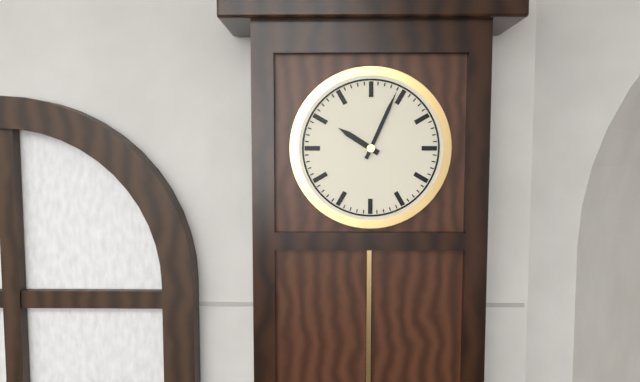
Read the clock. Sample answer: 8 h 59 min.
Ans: 10 h 04 min
